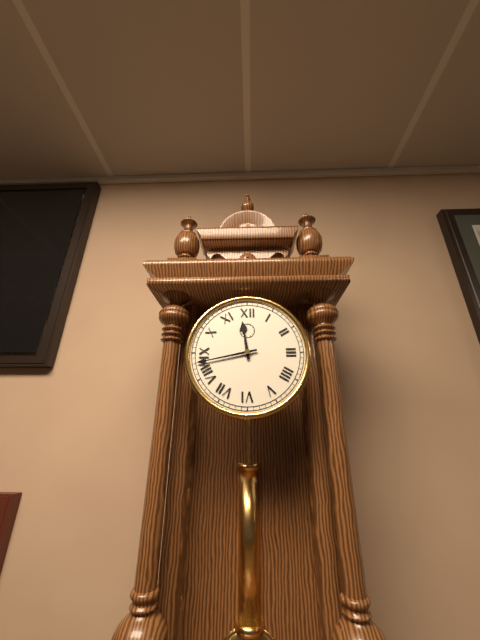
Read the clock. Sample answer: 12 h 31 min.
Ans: 11 h 43 min
